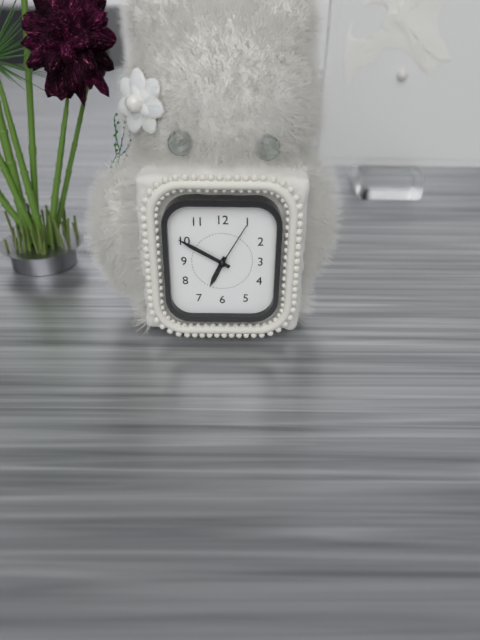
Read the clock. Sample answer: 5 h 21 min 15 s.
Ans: 6 h 50 min 05 s
